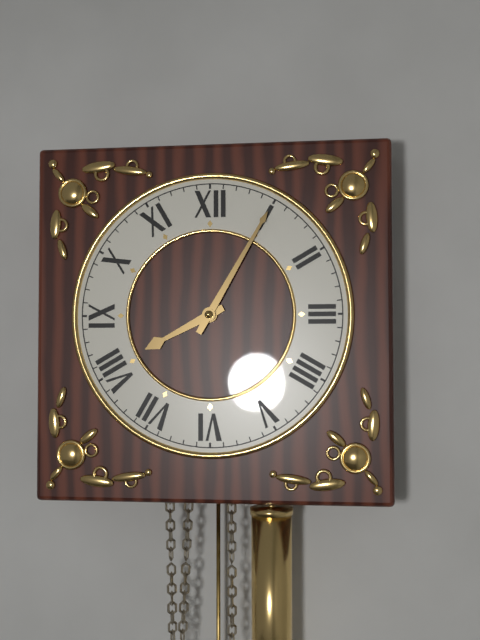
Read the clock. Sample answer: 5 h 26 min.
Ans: 8 h 05 min
